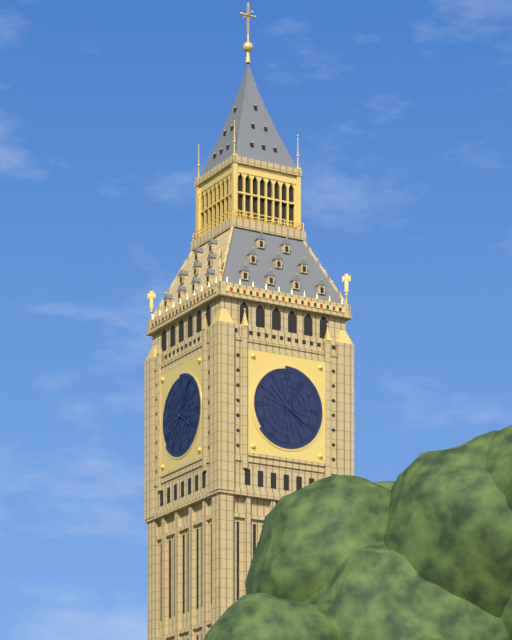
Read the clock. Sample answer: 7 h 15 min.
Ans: 4 h 05 min
